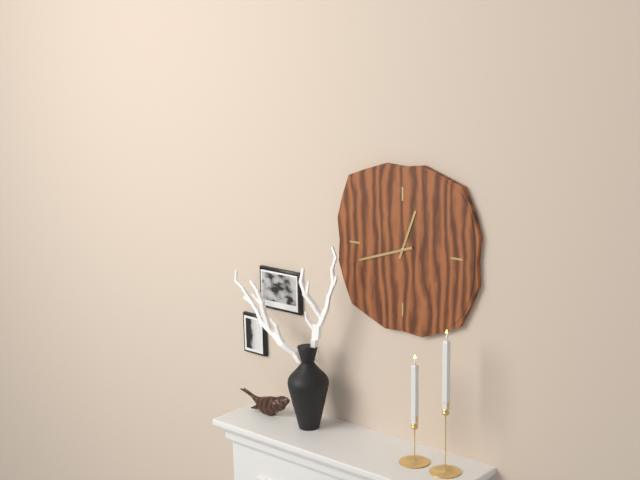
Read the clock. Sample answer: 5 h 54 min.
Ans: 12 h 42 min
